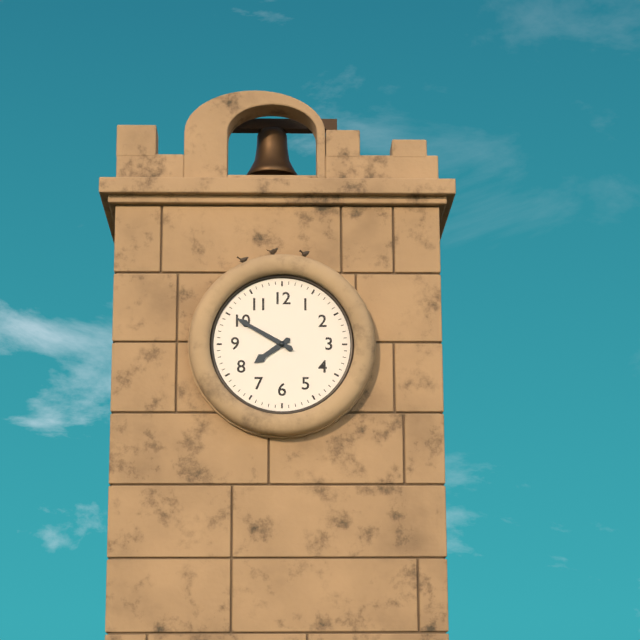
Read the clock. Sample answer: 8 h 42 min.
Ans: 7 h 50 min
